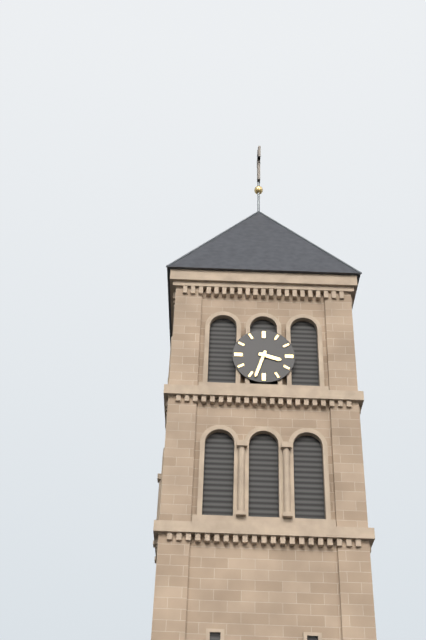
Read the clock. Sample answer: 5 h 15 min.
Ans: 3 h 33 min
